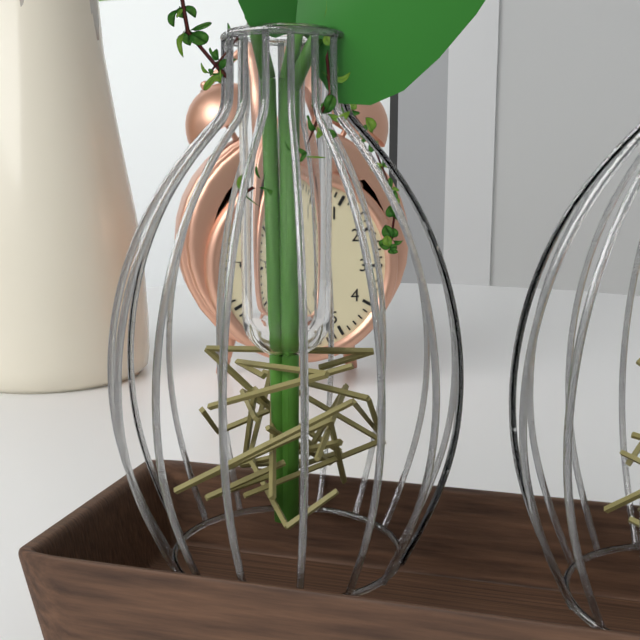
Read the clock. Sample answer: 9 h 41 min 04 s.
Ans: 5 h 31 min 46 s
